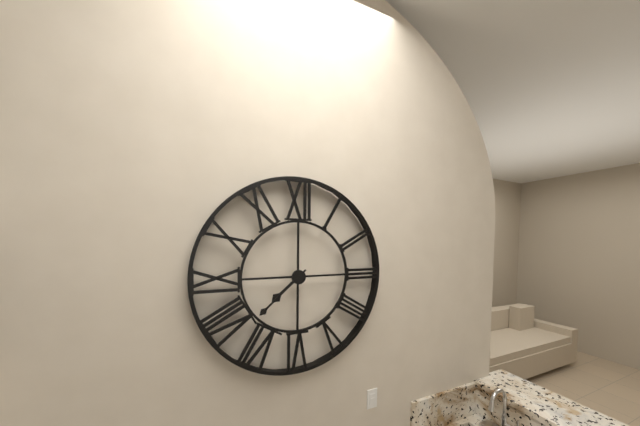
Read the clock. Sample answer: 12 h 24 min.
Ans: 7 h 38 min
